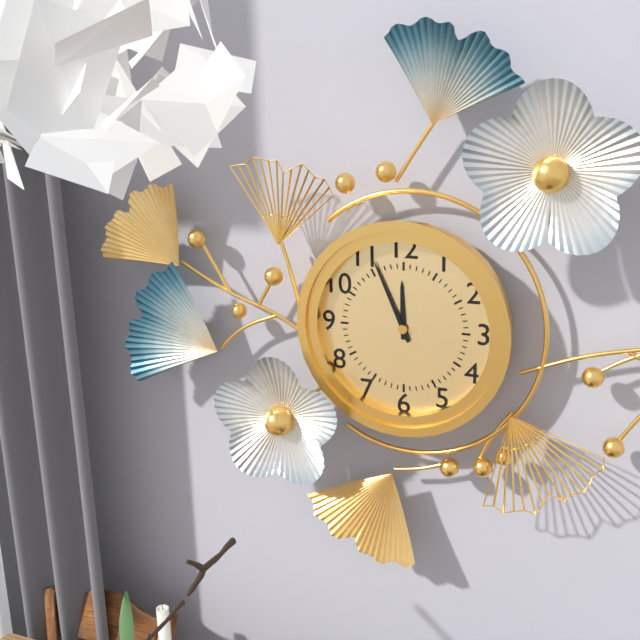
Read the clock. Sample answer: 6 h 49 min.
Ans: 11 h 56 min
